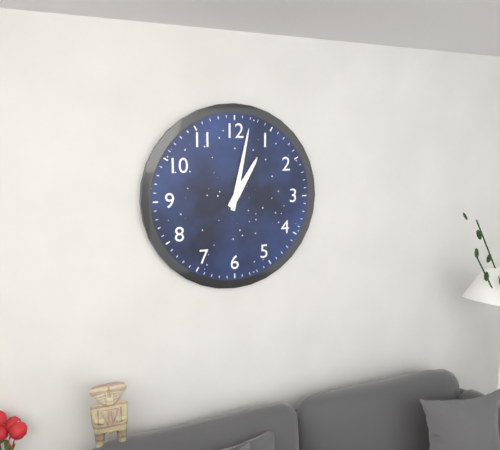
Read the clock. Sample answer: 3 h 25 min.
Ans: 1 h 02 min
